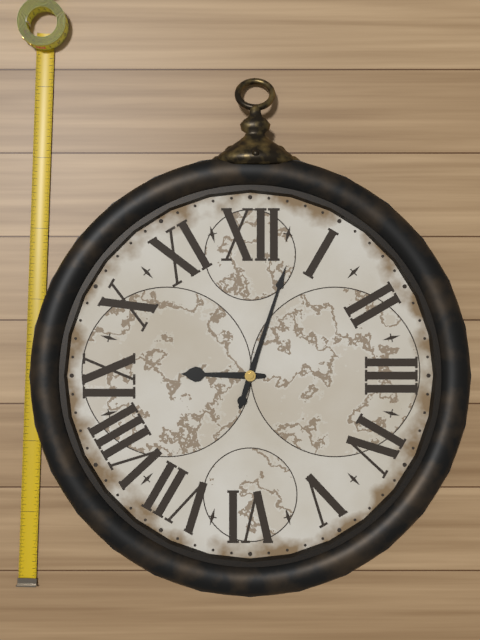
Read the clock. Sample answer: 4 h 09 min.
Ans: 9 h 03 min
